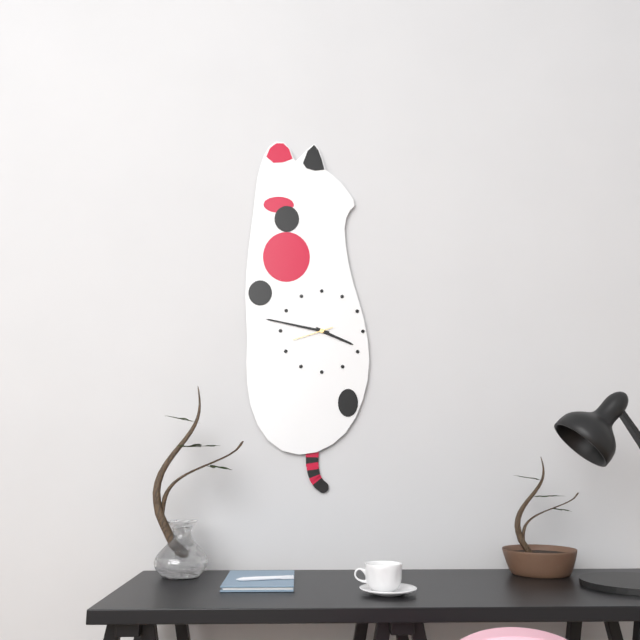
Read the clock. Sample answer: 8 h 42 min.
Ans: 3 h 47 min
